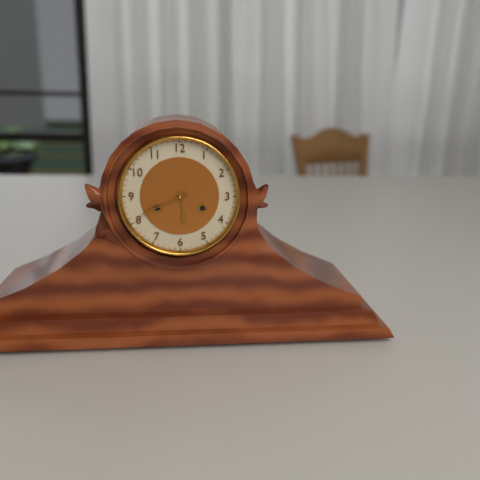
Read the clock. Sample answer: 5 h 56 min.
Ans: 5 h 41 min
